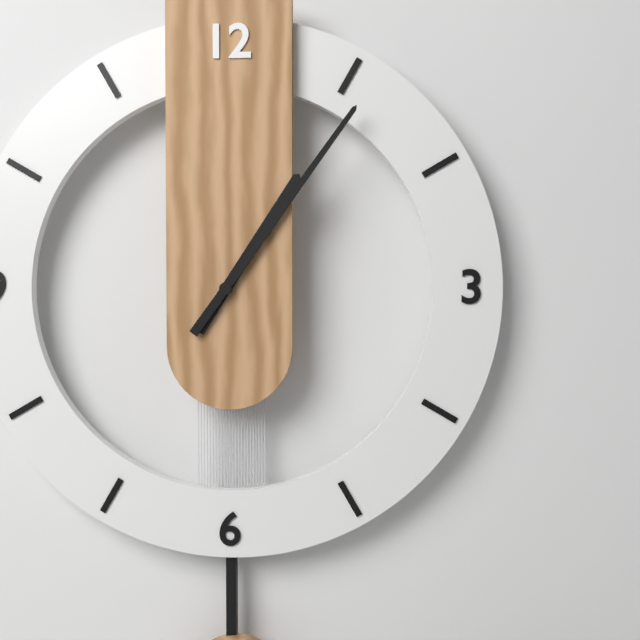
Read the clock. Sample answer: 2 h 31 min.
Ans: 1 h 06 min
